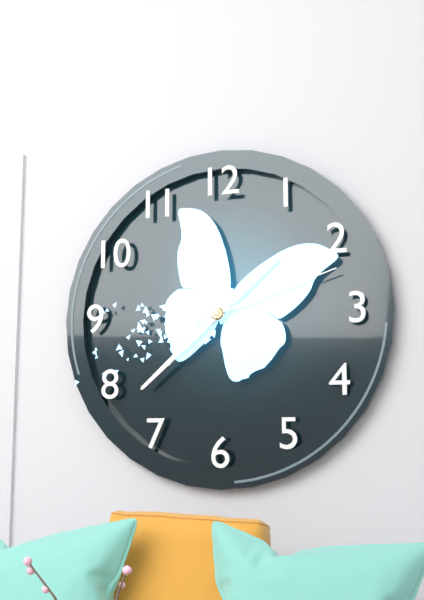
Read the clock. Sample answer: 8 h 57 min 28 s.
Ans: 1 h 38 min 12 s
